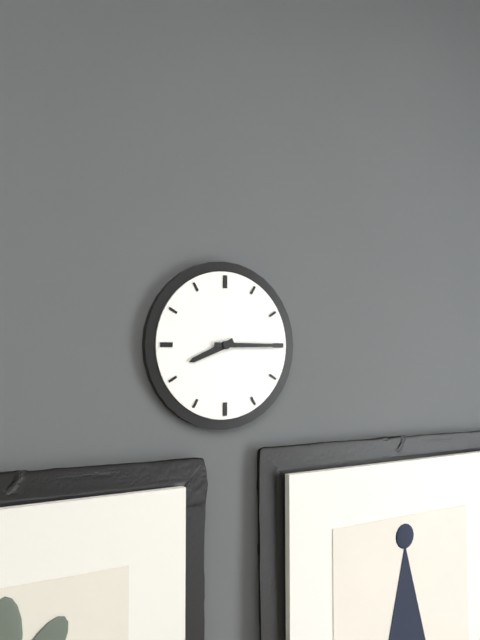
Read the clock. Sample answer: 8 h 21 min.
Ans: 8 h 15 min
